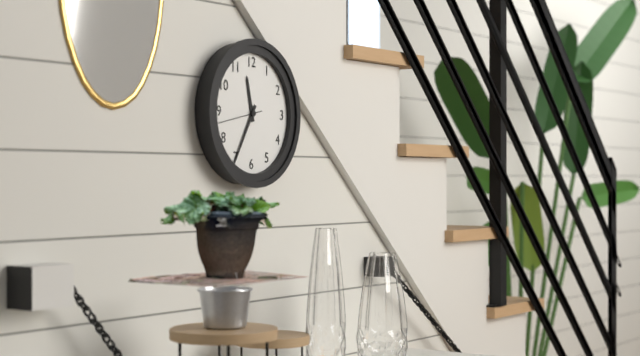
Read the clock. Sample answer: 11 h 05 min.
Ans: 11 h 35 min
